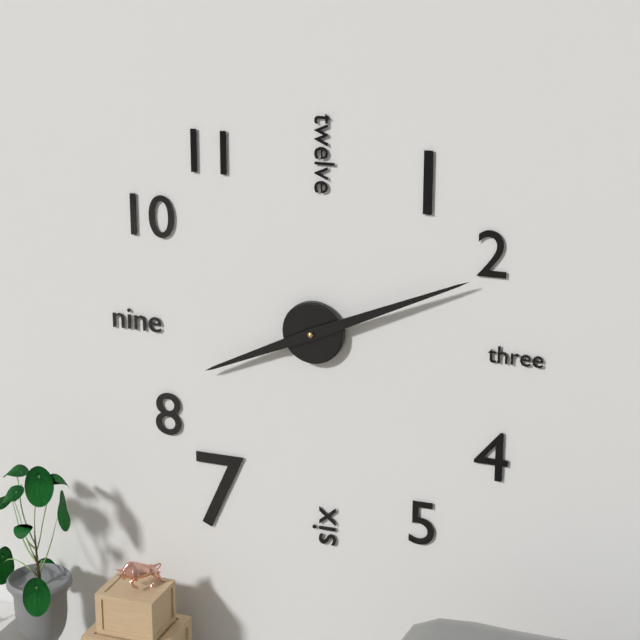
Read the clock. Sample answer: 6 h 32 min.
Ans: 8 h 11 min
